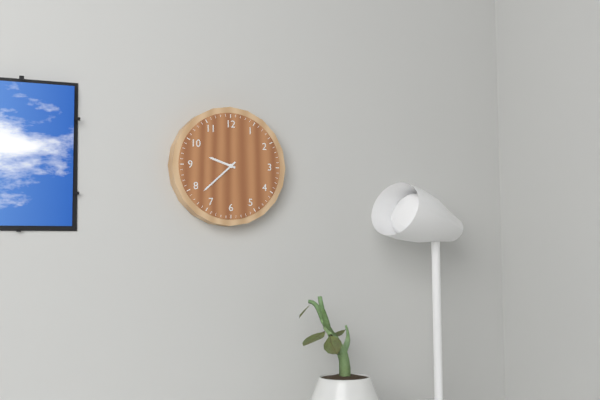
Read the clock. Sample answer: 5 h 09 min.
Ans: 9 h 38 min
